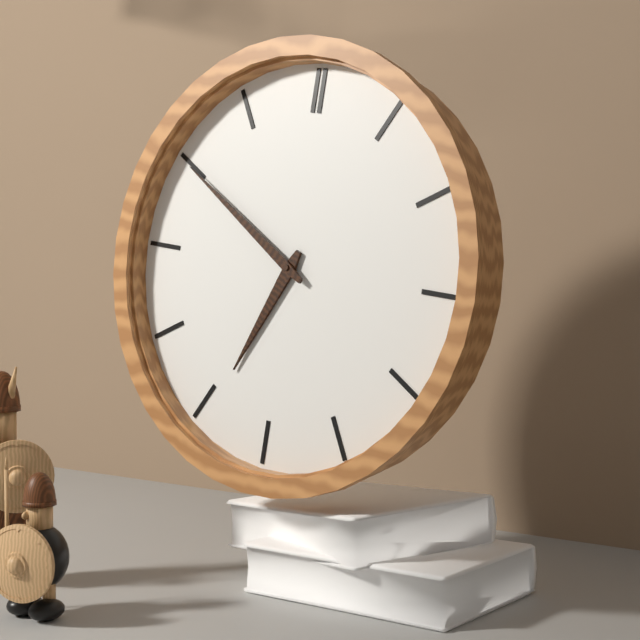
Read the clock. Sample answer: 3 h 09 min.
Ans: 6 h 50 min
